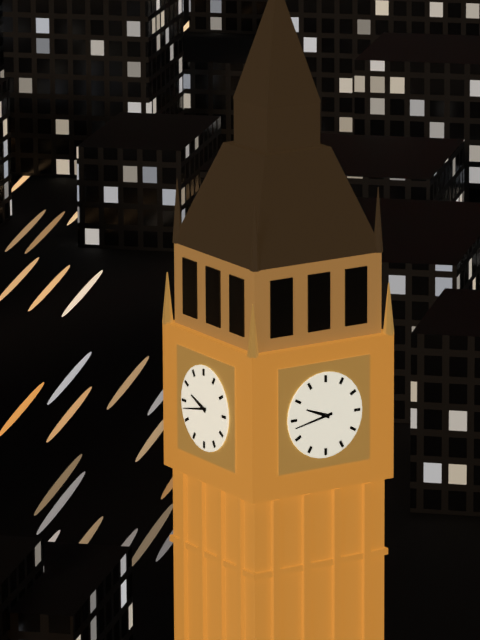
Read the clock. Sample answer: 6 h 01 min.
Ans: 9 h 43 min
